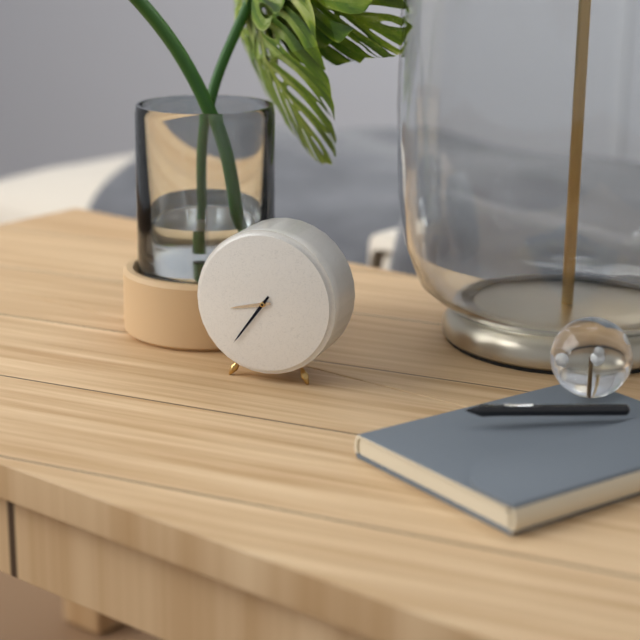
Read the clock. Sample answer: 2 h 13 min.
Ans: 8 h 36 min
